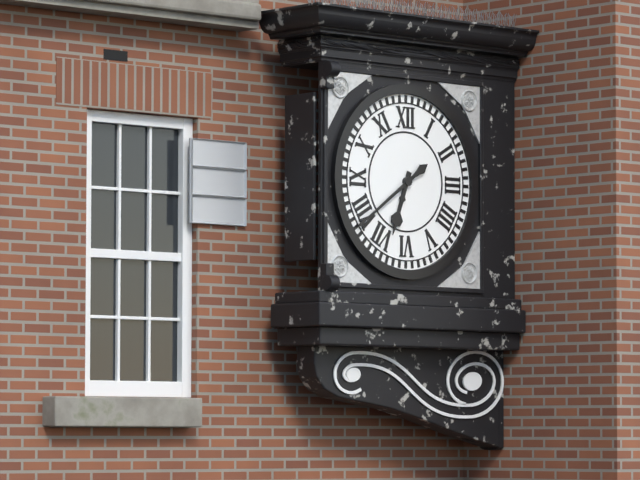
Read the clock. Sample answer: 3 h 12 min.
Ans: 6 h 39 min
